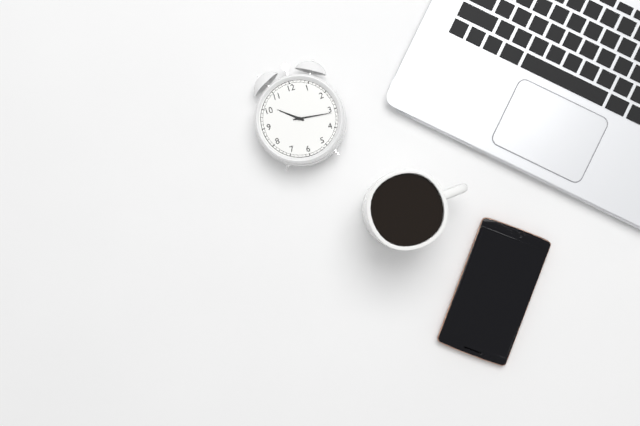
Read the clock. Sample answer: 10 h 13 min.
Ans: 10 h 16 min
